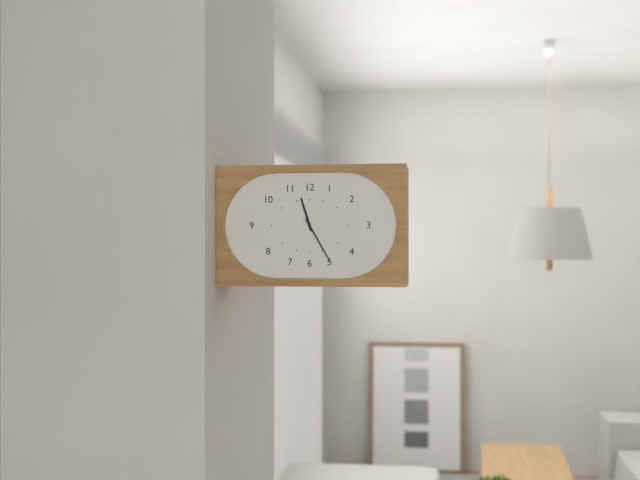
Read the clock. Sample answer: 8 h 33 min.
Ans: 11 h 25 min
